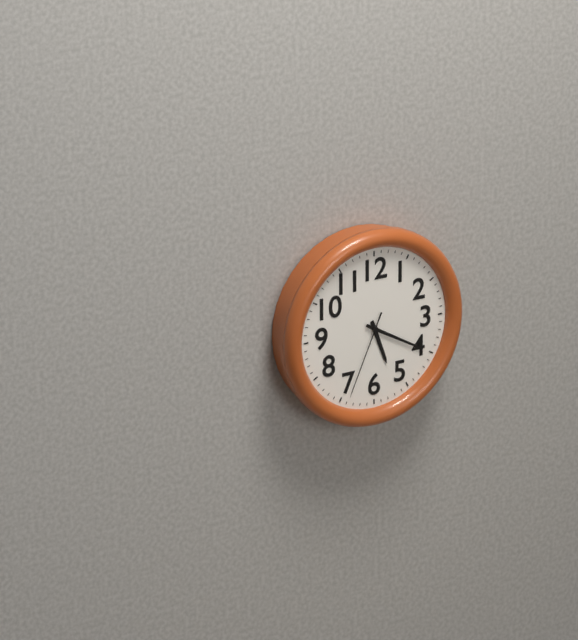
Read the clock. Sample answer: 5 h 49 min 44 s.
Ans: 5 h 20 min 34 s
